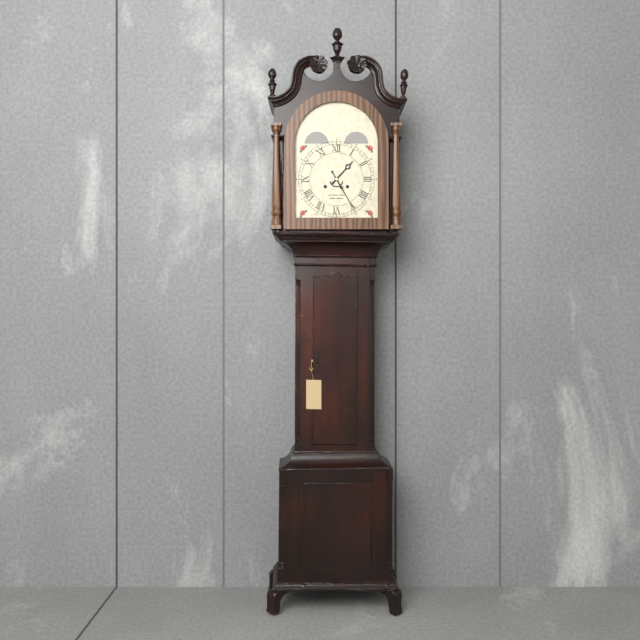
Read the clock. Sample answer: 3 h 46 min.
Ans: 1 h 25 min
